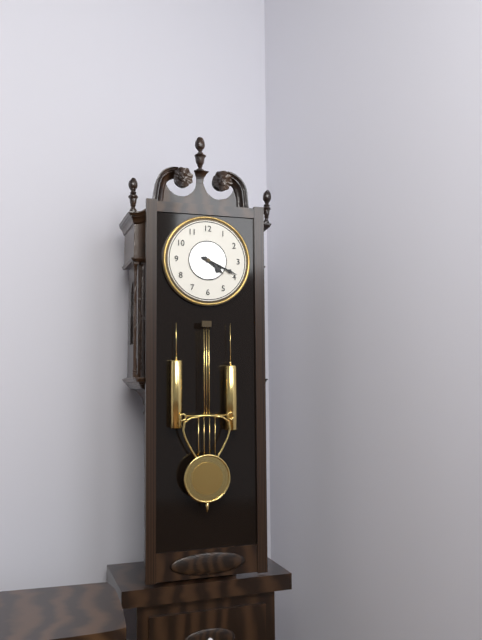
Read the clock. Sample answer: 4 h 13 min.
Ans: 4 h 19 min
